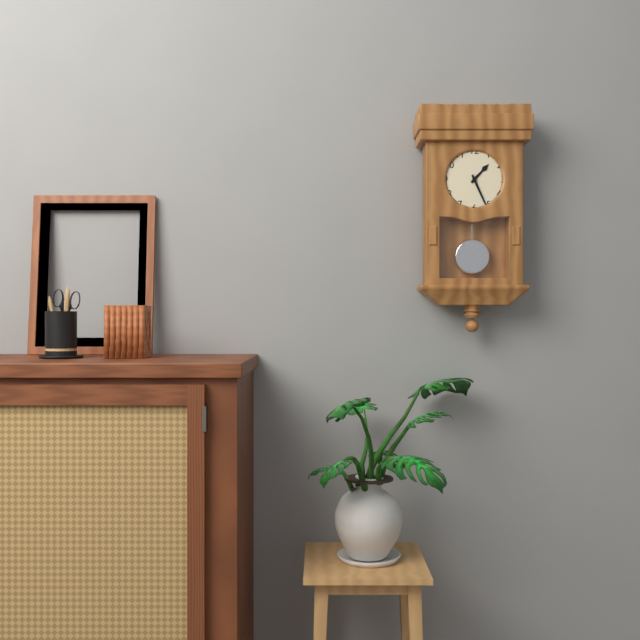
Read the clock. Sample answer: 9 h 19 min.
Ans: 1 h 26 min
